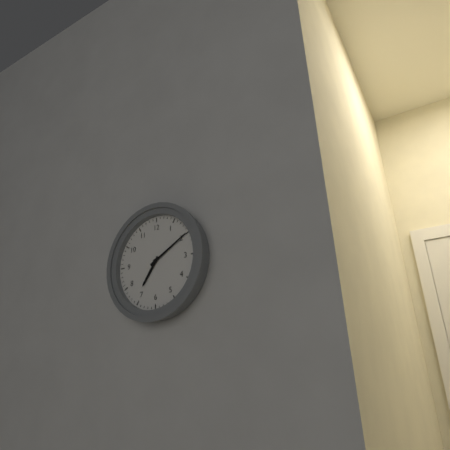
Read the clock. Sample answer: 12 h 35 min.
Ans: 7 h 10 min
